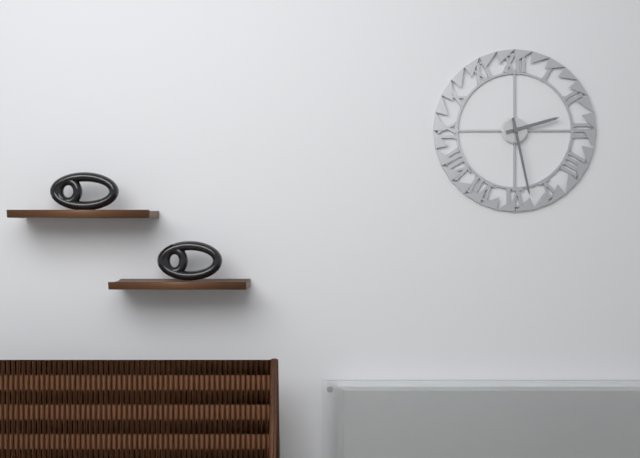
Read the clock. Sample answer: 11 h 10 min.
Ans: 2 h 28 min
